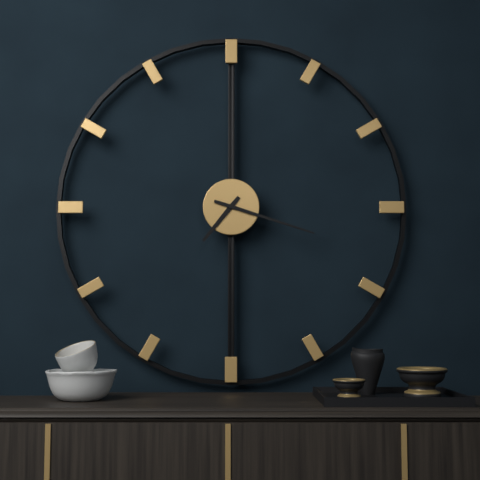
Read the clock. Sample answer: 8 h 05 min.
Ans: 7 h 18 min
